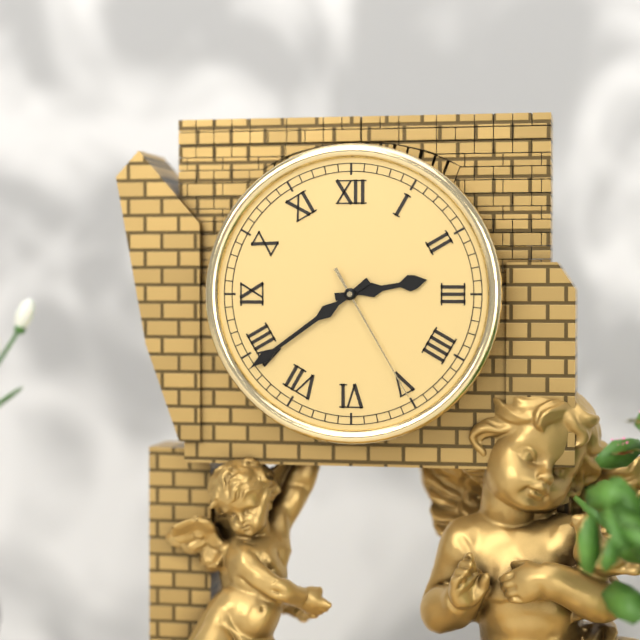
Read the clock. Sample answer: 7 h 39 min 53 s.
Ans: 2 h 39 min 25 s
